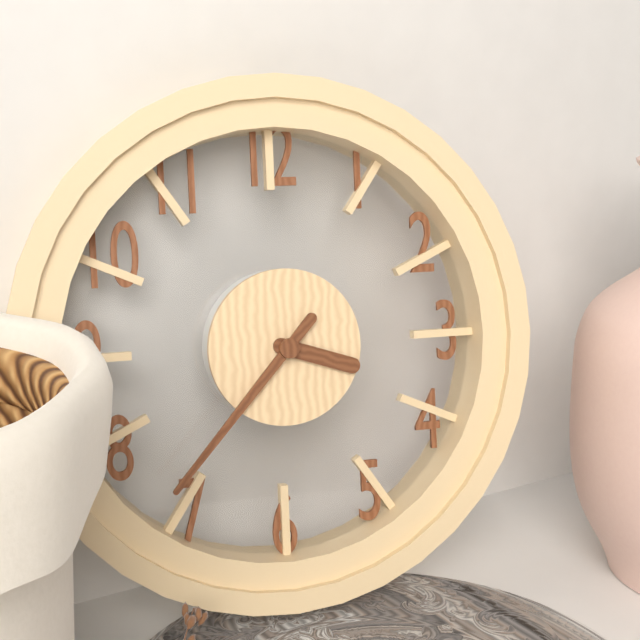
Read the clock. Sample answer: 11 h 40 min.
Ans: 3 h 37 min
